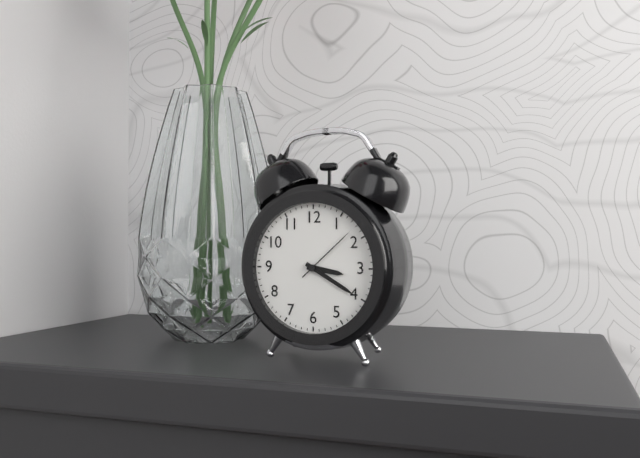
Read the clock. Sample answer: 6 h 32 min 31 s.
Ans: 3 h 20 min 08 s
